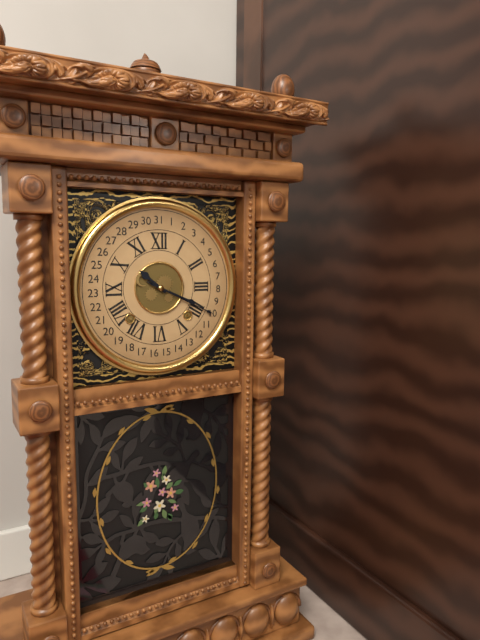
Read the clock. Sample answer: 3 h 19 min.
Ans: 10 h 19 min
